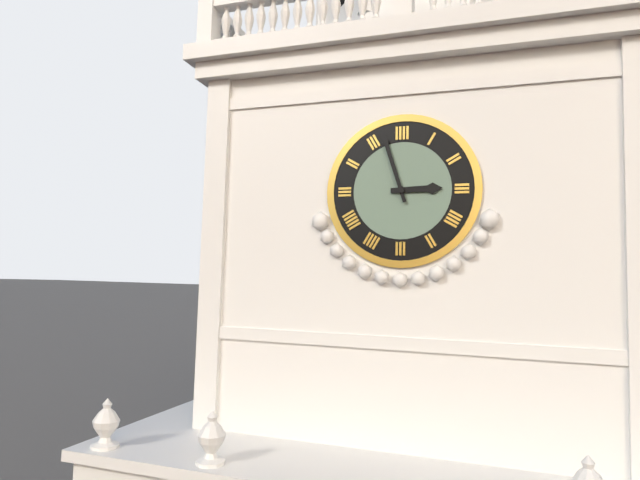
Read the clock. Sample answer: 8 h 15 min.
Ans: 2 h 57 min
